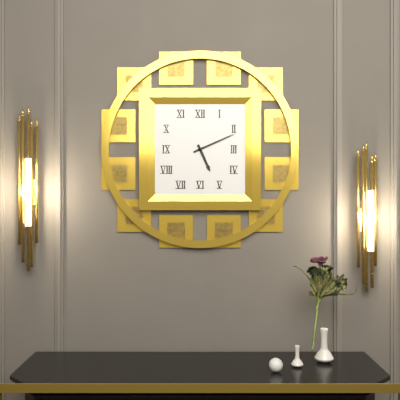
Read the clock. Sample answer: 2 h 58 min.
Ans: 5 h 11 min
